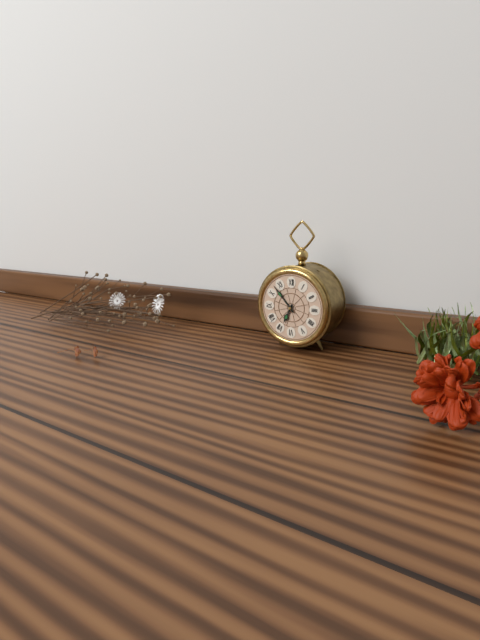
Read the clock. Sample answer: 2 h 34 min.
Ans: 6 h 53 min
